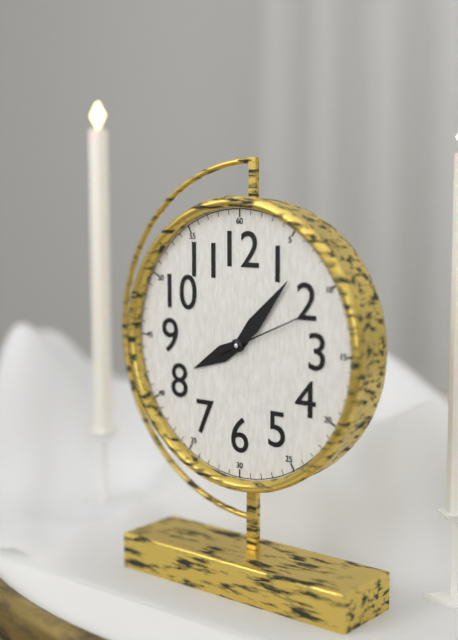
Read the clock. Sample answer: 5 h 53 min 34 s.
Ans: 8 h 07 min 11 s
